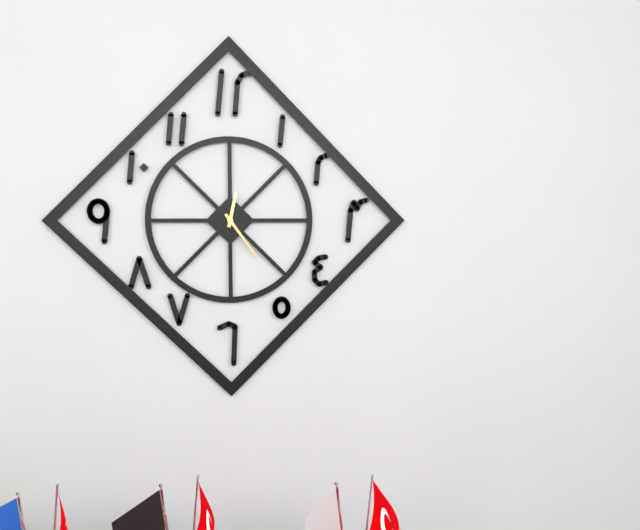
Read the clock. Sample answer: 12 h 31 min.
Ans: 12 h 24 min
